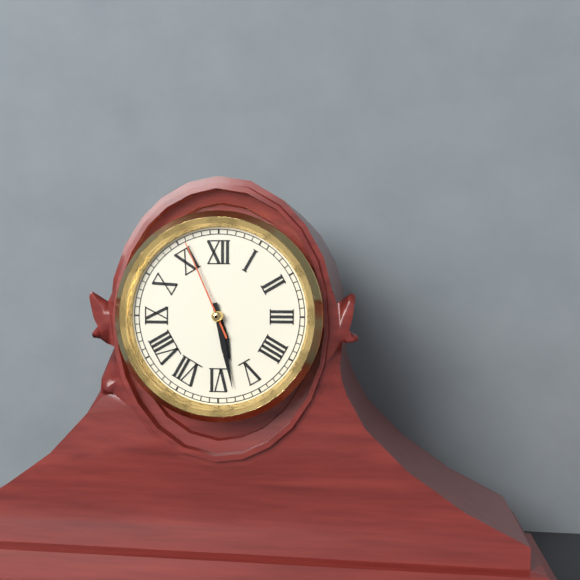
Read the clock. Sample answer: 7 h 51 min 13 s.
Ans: 5 h 28 min 56 s
